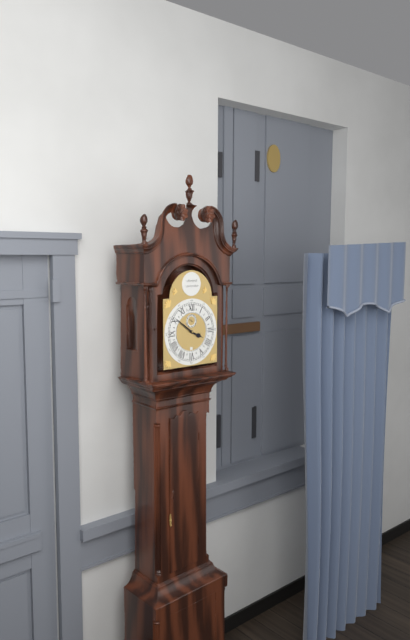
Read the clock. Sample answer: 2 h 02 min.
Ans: 3 h 51 min
